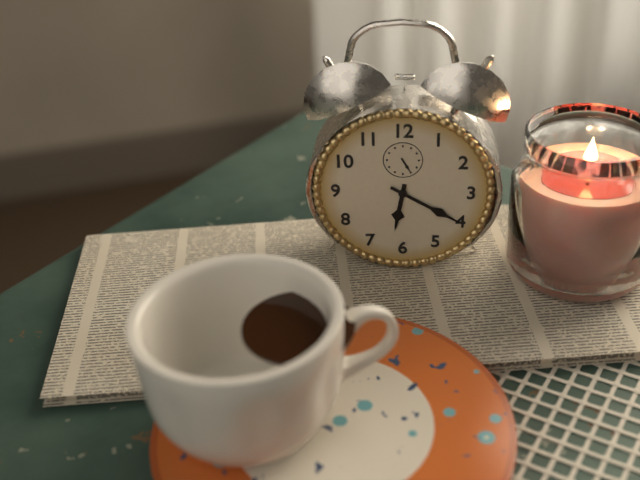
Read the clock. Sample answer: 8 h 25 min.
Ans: 6 h 20 min
